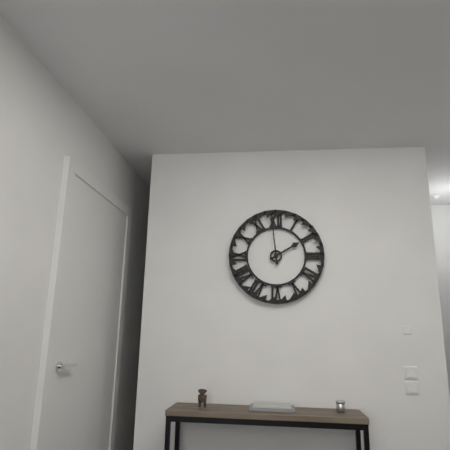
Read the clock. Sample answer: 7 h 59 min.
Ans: 1 h 59 min
